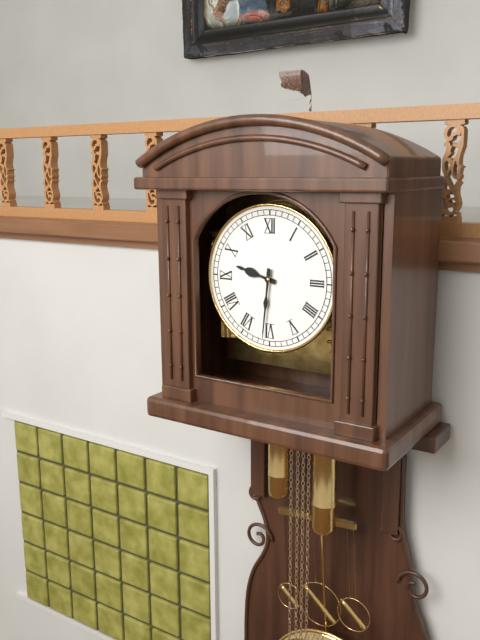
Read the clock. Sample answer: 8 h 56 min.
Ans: 9 h 31 min
